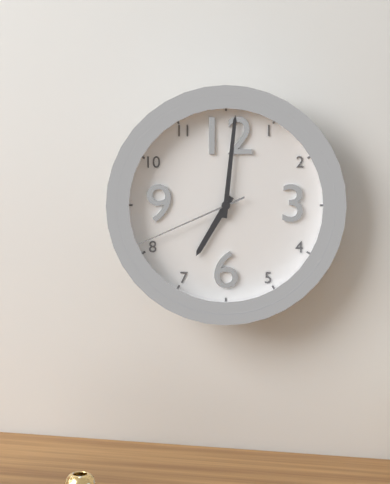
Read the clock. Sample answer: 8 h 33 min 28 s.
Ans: 7 h 01 min 41 s
